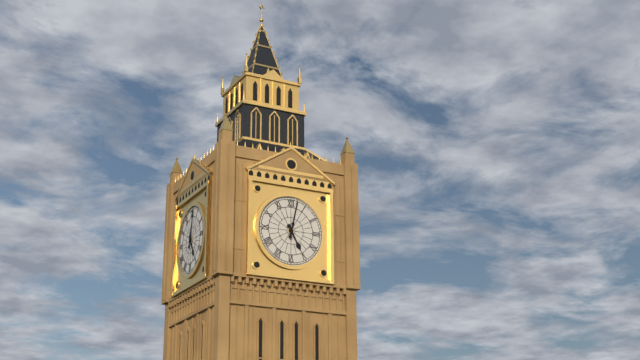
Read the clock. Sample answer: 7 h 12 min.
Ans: 5 h 02 min
